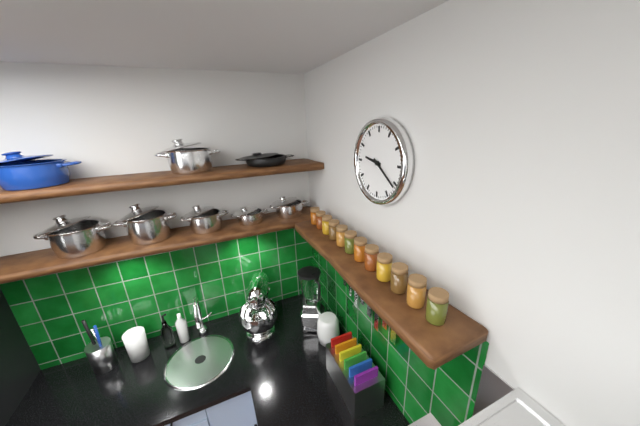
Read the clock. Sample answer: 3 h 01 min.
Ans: 9 h 21 min
